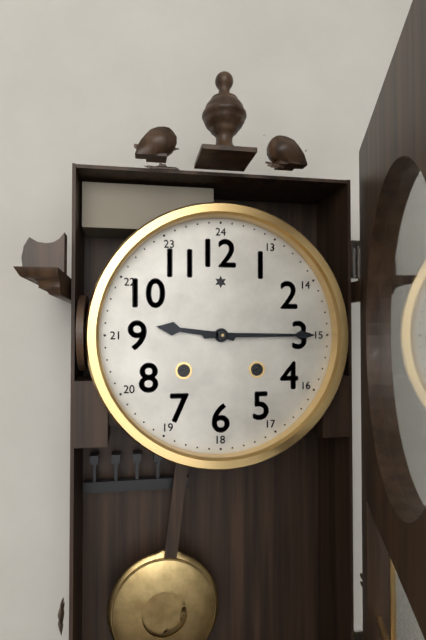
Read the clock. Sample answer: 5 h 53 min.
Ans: 9 h 15 min
